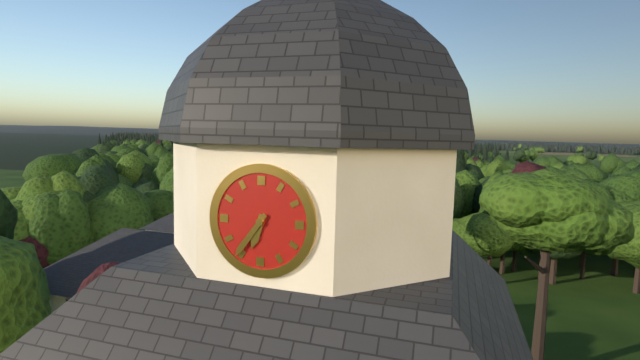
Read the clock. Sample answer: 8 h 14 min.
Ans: 6 h 36 min
